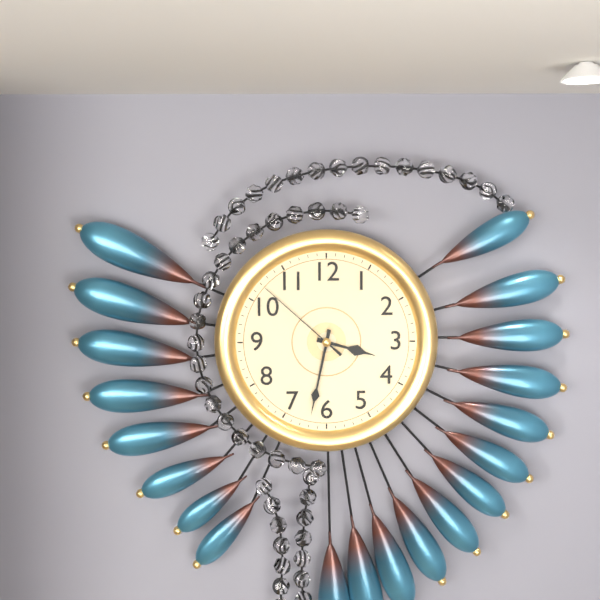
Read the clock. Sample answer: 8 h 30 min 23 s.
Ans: 3 h 32 min 52 s
